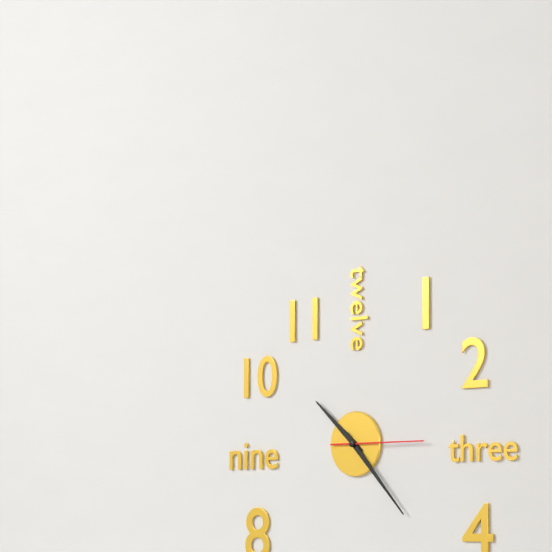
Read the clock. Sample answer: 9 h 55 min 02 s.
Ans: 10 h 23 min 15 s
